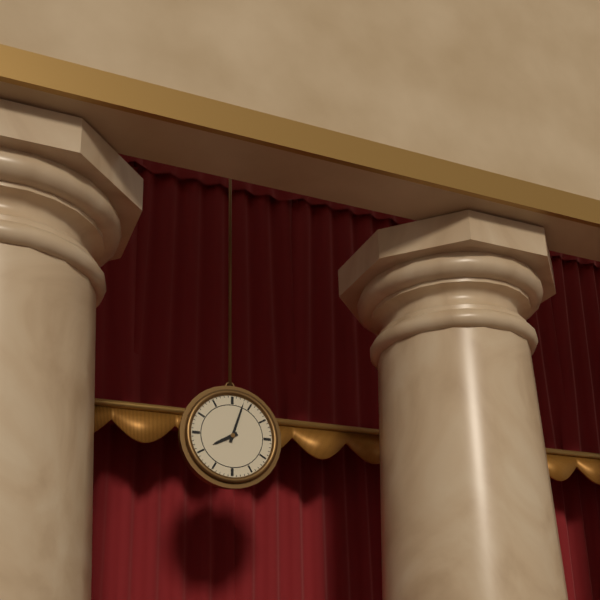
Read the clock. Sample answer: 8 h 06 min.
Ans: 8 h 03 min
